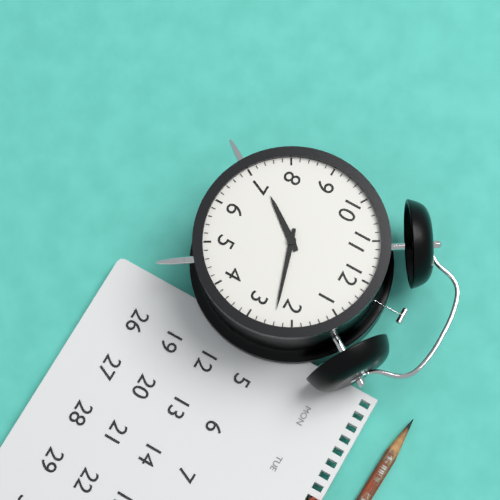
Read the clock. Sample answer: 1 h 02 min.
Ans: 7 h 12 min
